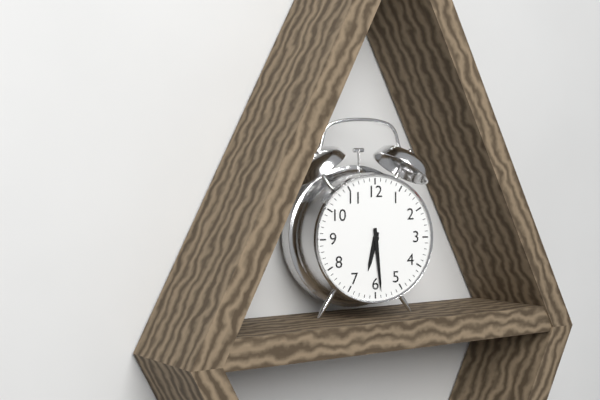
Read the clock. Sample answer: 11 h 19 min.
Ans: 6 h 29 min
